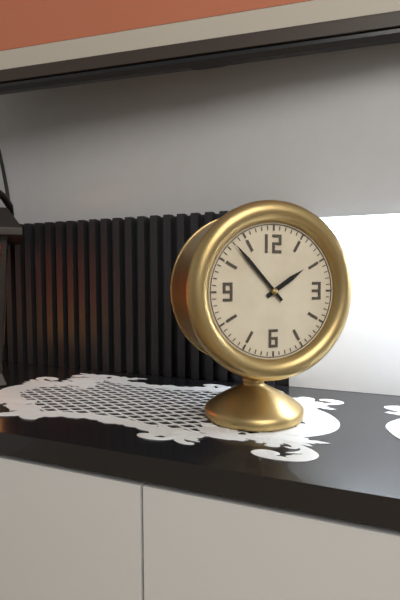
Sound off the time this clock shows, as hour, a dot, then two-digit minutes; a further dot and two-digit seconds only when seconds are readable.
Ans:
1.53
